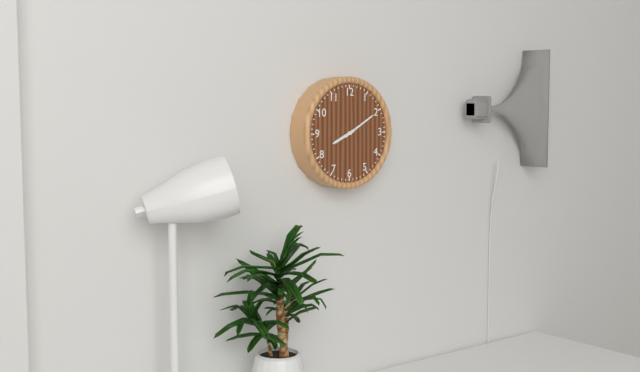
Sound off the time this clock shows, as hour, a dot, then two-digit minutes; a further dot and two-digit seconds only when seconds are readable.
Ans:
8.10
